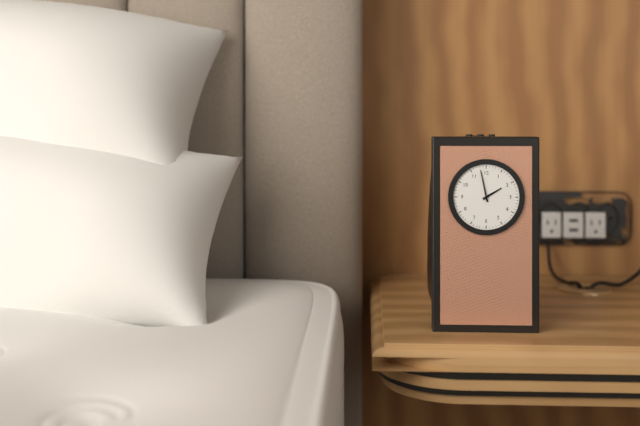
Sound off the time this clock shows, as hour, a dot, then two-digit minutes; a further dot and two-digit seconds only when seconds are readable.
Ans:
1.58
